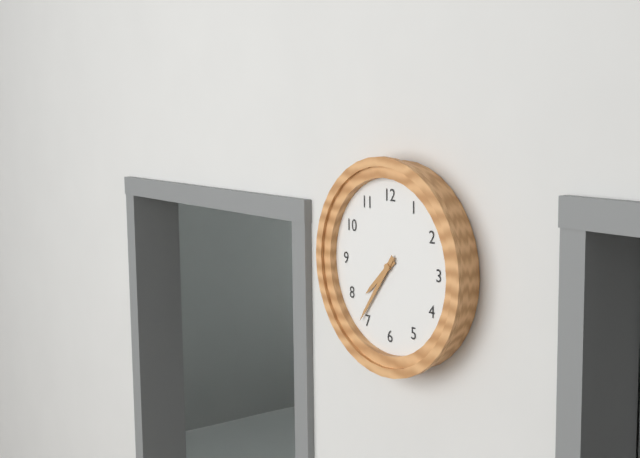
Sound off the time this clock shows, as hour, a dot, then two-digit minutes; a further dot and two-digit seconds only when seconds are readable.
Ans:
7.36
